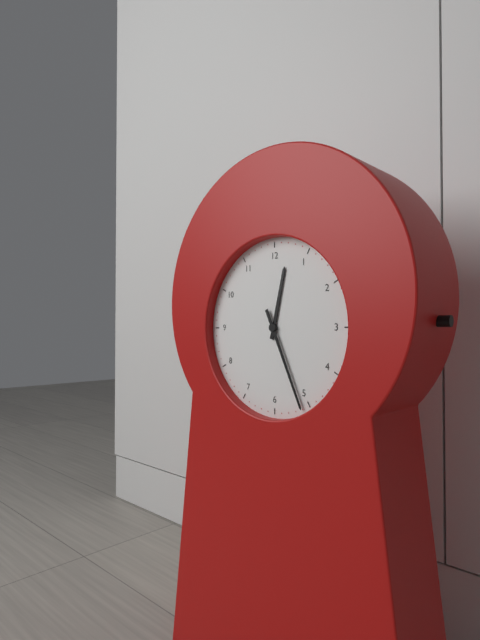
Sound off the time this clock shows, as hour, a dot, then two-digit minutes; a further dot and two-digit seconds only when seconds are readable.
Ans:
12.26
